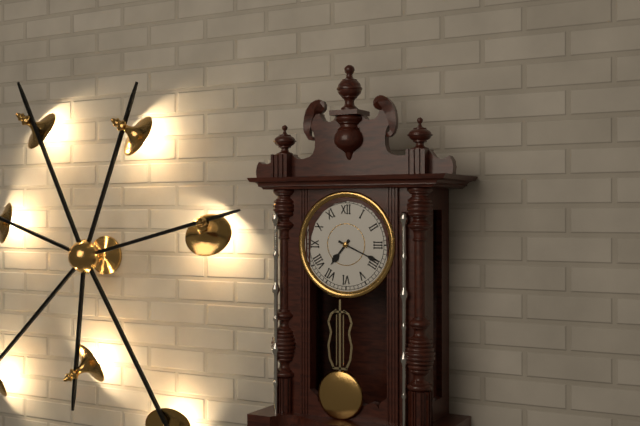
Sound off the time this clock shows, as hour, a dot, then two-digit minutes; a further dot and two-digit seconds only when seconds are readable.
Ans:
7.19
